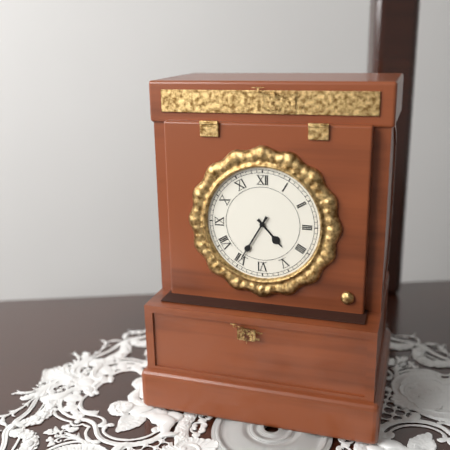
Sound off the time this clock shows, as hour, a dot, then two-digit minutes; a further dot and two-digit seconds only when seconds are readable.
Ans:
4.35
